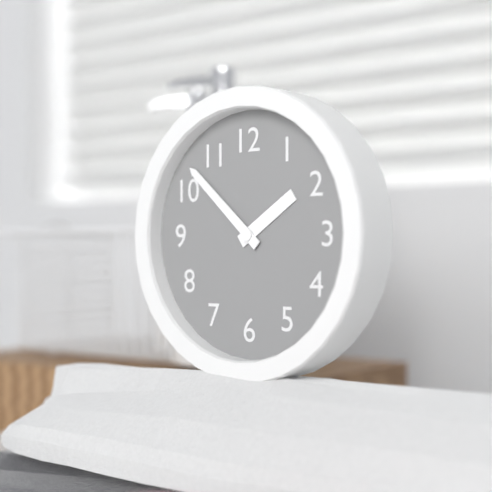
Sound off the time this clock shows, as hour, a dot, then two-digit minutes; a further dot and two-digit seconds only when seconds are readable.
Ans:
1.52
